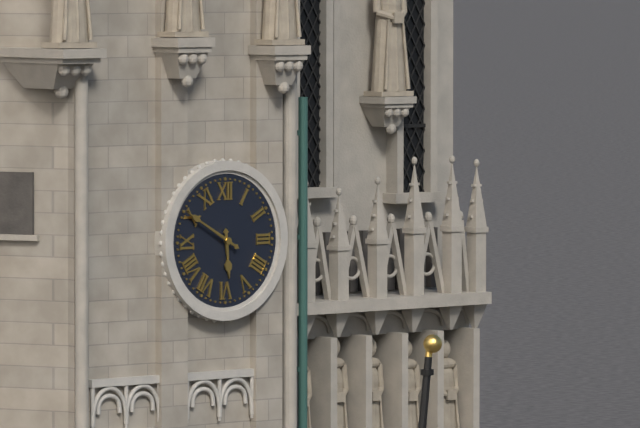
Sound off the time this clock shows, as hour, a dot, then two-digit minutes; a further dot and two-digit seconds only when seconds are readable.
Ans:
5.50
